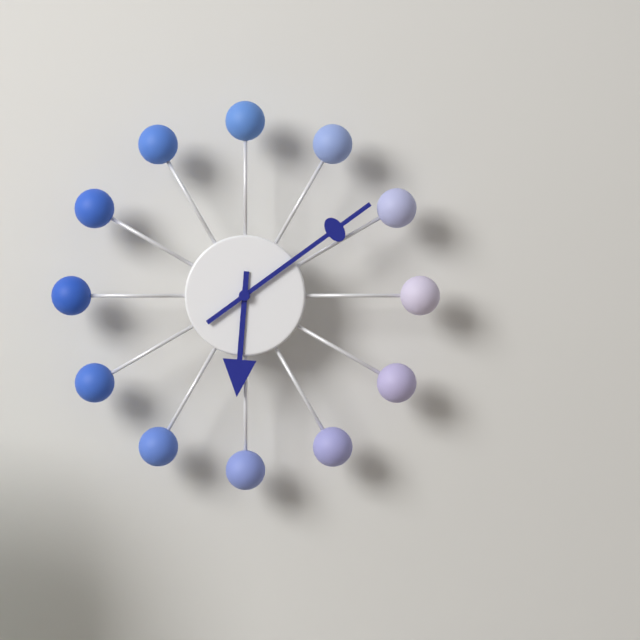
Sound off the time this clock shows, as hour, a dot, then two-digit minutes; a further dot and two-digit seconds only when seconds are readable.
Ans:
6.09
